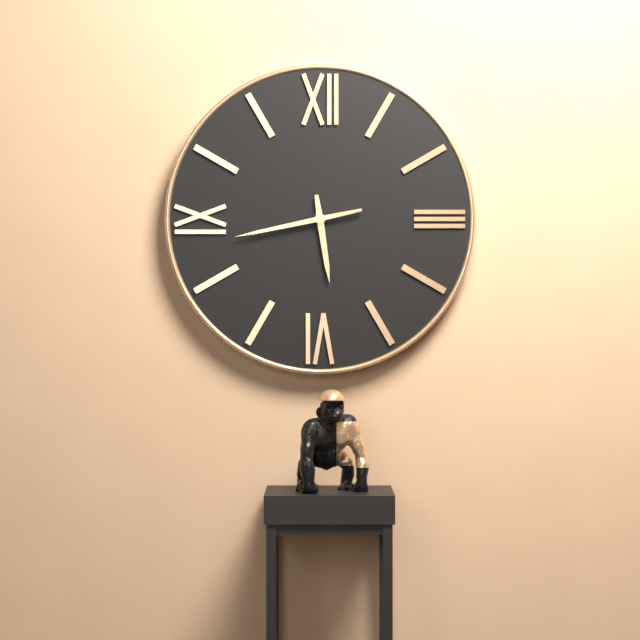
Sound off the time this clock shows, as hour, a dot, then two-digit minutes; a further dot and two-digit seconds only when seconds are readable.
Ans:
5.43
